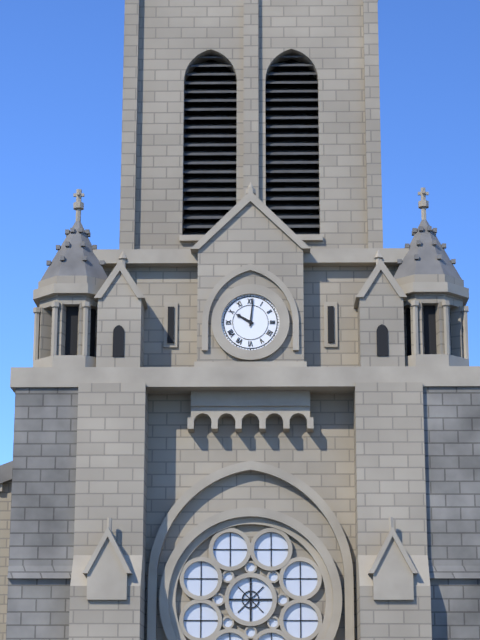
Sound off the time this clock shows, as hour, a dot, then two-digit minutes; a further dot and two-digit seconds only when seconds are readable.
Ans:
10.01
